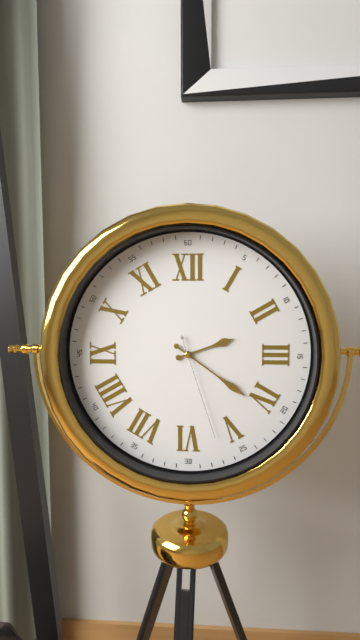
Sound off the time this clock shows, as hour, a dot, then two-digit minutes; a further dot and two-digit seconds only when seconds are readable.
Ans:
2.21.27
